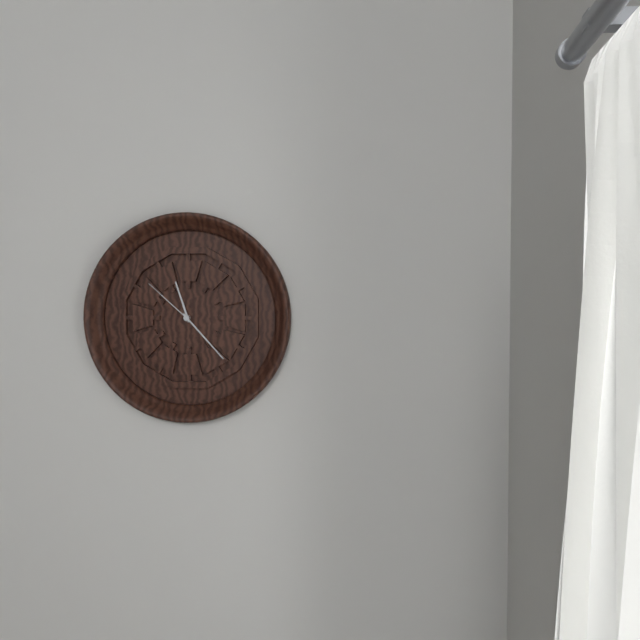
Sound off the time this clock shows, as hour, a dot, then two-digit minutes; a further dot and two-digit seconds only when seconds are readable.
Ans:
11.23.52
